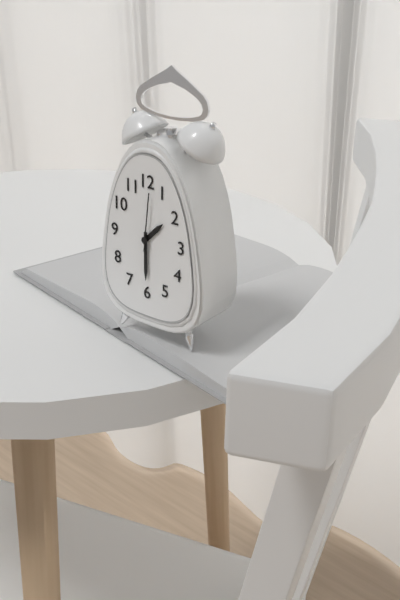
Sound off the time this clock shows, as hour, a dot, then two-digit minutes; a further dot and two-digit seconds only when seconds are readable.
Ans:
1.30.01
